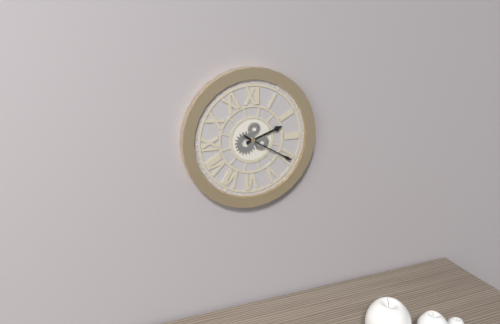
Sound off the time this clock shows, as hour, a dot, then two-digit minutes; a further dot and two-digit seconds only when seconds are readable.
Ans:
2.20
